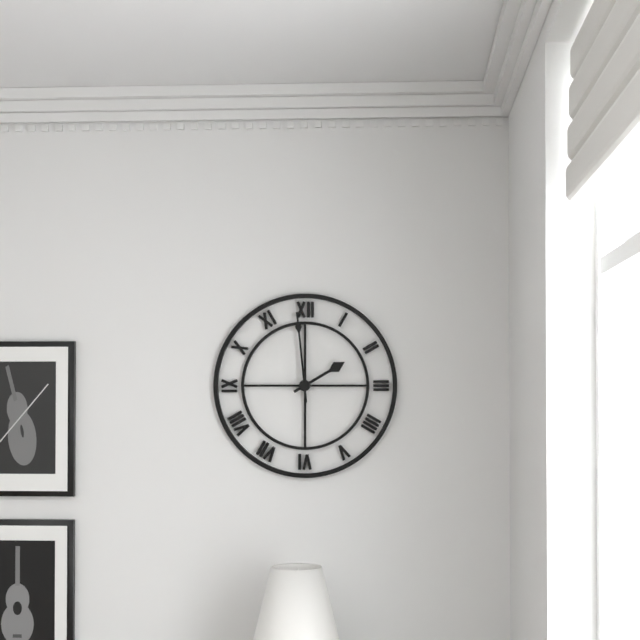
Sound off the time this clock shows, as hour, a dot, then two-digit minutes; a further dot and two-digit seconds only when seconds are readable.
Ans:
1.59
